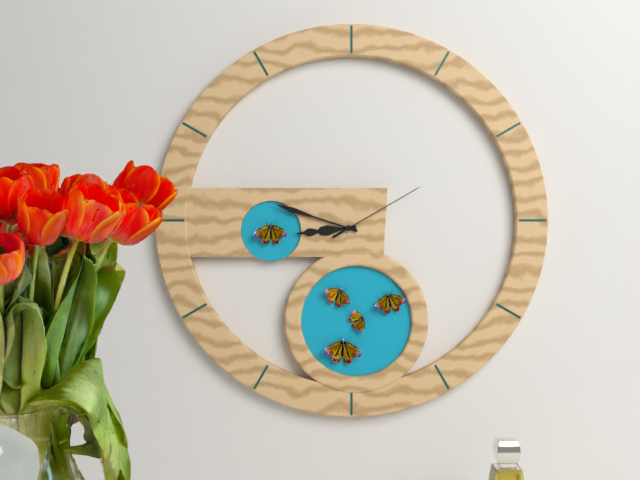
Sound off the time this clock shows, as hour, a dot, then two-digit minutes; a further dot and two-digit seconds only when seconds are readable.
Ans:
8.48.10
